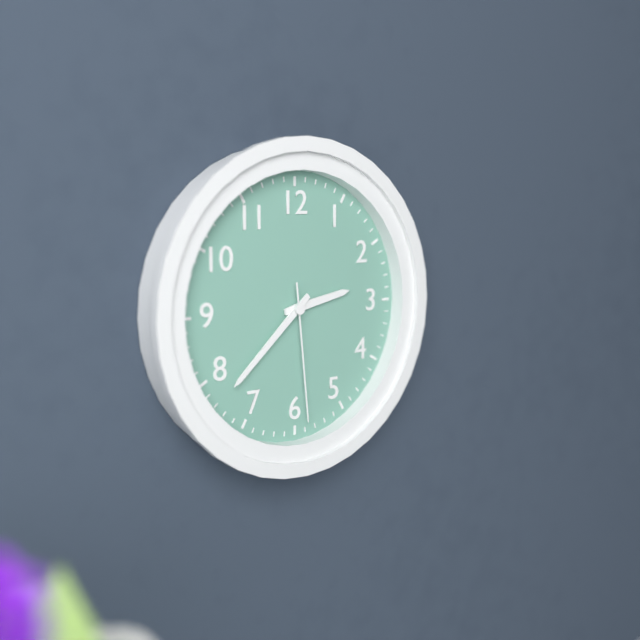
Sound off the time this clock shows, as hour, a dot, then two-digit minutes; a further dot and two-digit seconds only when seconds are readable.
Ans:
2.38.29
